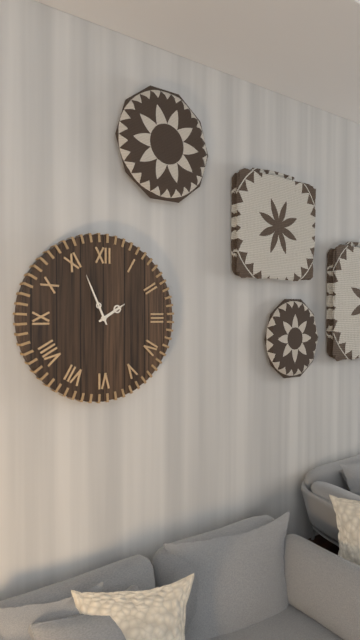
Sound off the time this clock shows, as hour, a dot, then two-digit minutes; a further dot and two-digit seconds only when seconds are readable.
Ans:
1.56
